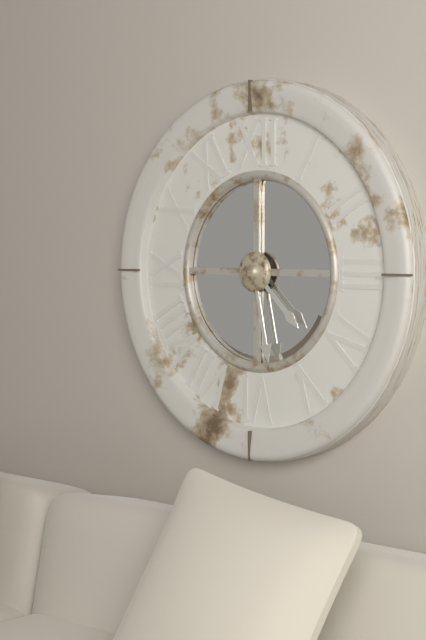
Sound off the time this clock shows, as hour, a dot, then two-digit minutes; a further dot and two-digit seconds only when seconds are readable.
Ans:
4.28
